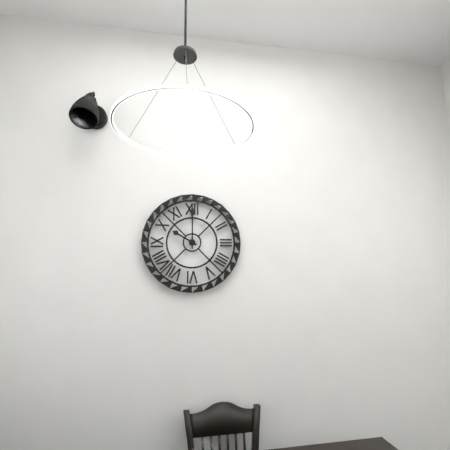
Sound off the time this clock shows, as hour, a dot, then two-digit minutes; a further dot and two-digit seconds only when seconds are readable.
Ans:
10.00
